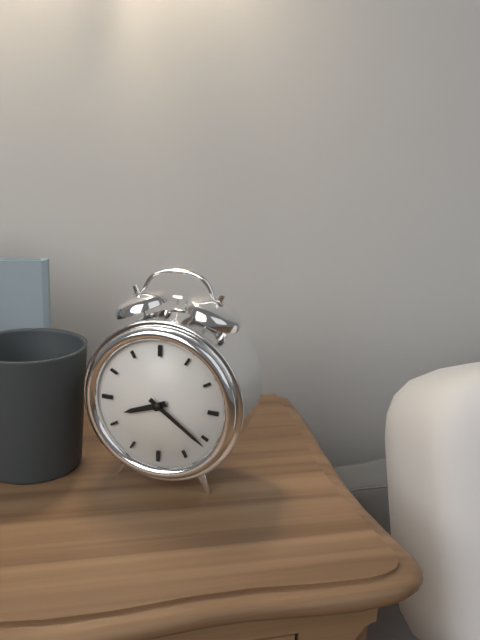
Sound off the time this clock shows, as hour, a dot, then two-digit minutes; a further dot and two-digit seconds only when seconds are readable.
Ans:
8.21
